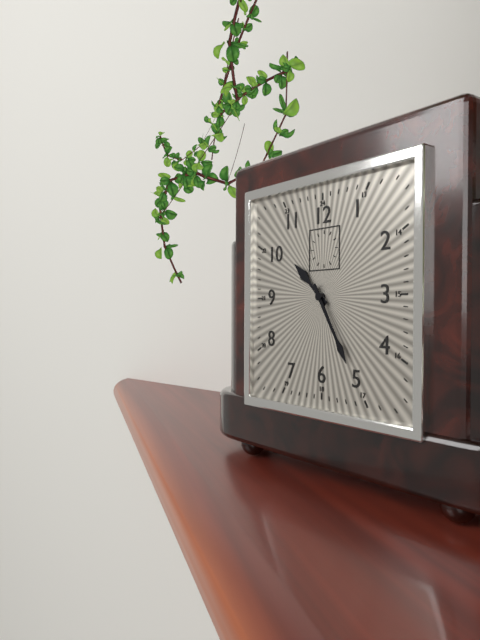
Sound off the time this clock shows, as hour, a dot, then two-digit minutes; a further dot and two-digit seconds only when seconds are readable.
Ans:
10.25
